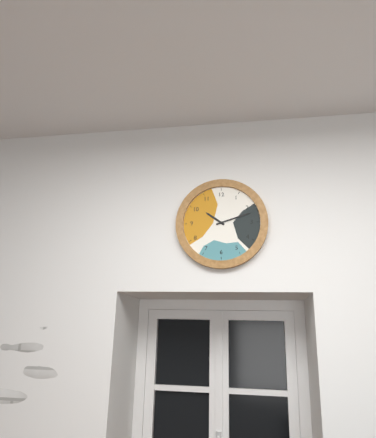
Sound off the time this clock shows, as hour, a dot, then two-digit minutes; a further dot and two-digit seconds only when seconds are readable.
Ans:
10.12
